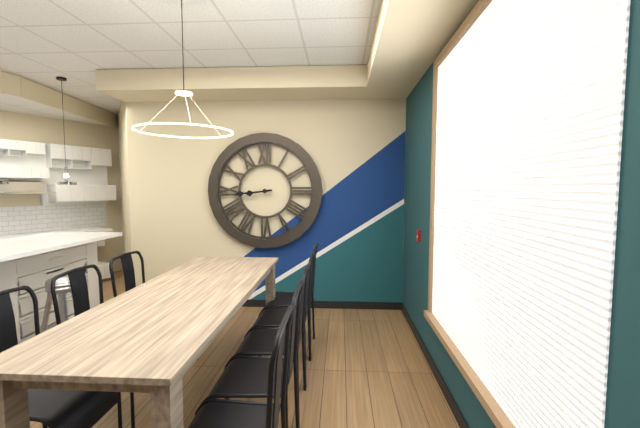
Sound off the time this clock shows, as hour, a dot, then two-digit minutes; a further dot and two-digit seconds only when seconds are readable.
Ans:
8.44
